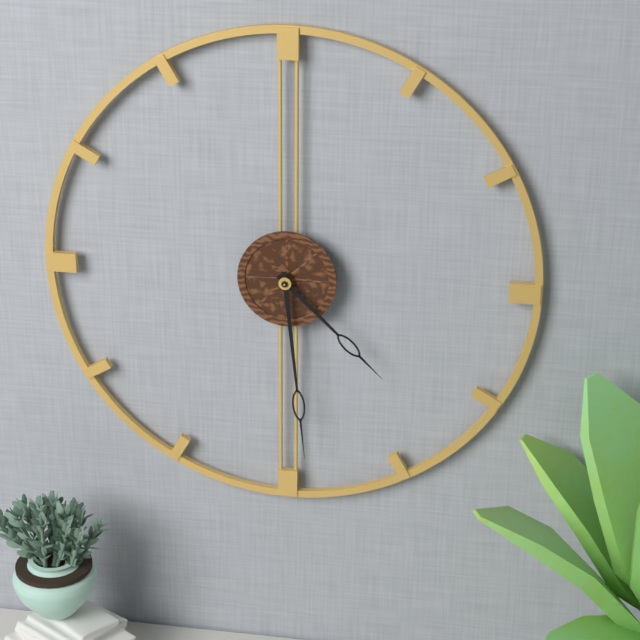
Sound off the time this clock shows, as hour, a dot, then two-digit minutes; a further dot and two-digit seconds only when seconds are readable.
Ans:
4.29
